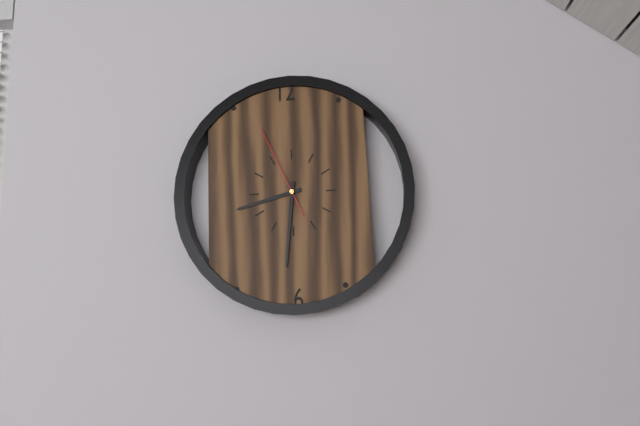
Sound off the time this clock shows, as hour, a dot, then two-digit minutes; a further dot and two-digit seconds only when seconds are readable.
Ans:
8.31.56
